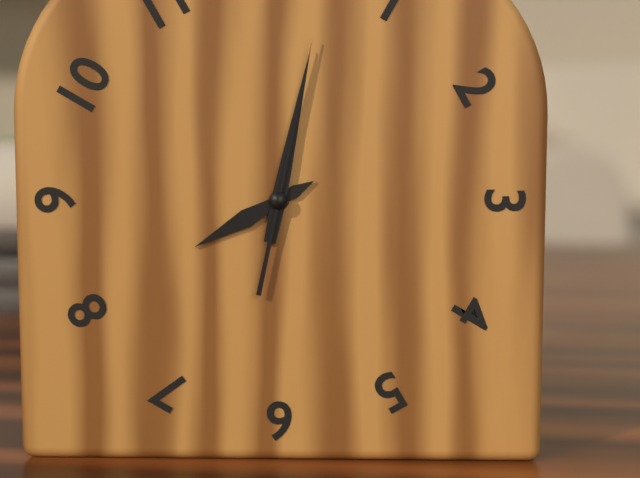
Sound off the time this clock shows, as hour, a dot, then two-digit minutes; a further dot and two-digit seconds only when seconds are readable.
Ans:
8.02.02
